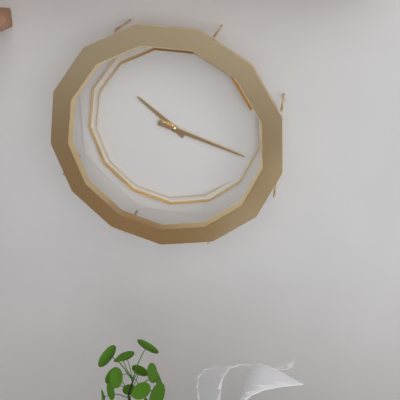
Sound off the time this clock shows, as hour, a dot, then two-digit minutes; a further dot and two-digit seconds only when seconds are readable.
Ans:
10.18
